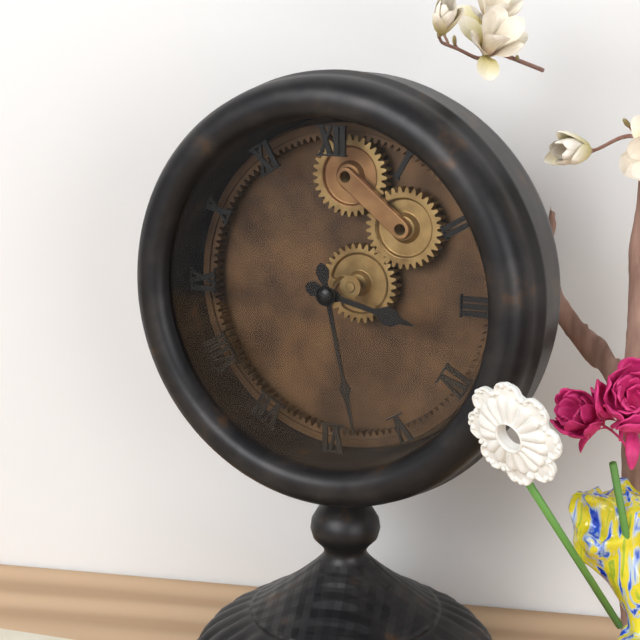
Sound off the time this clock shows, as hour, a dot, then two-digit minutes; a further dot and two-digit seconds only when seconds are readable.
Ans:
3.28
